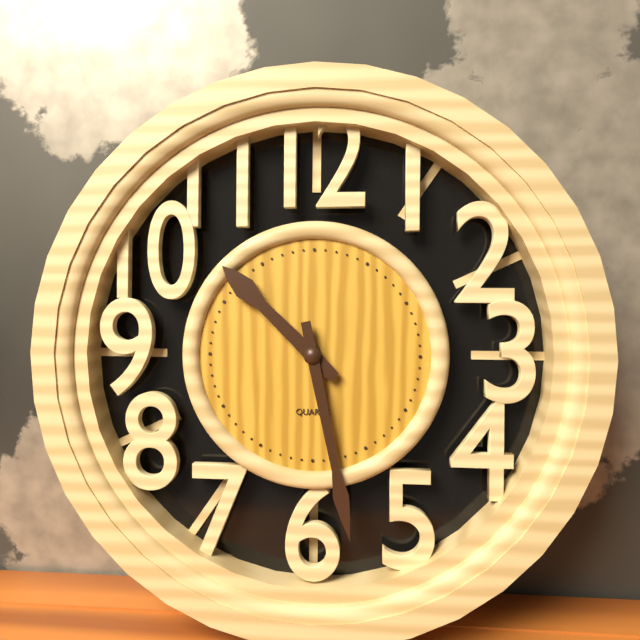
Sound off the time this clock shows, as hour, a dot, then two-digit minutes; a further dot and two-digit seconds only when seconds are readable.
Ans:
10.28
